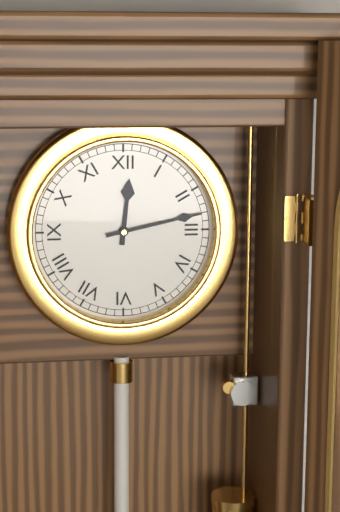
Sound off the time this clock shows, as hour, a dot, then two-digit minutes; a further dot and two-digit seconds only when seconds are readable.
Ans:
12.13
